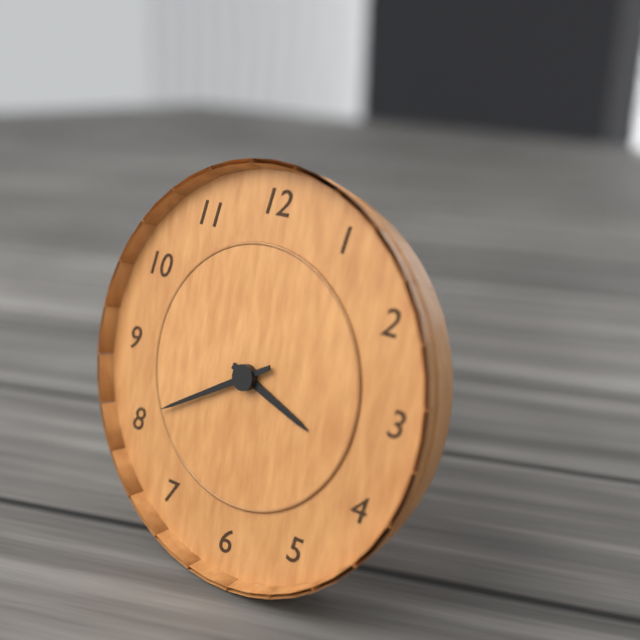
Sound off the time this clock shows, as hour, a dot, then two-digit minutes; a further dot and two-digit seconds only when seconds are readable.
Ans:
3.40
